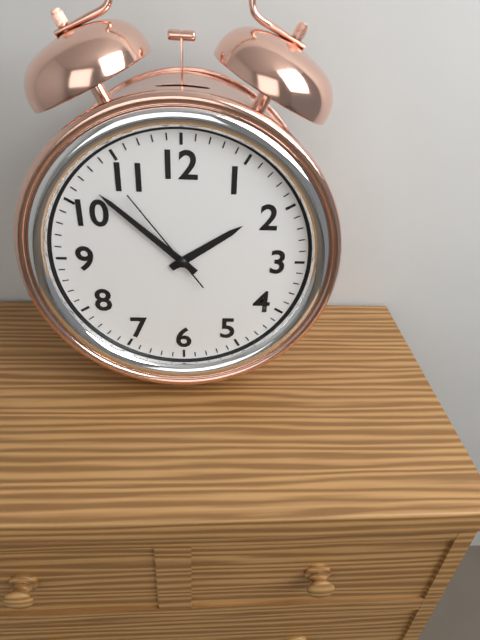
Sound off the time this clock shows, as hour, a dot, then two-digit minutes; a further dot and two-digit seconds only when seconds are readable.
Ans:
1.52.54
